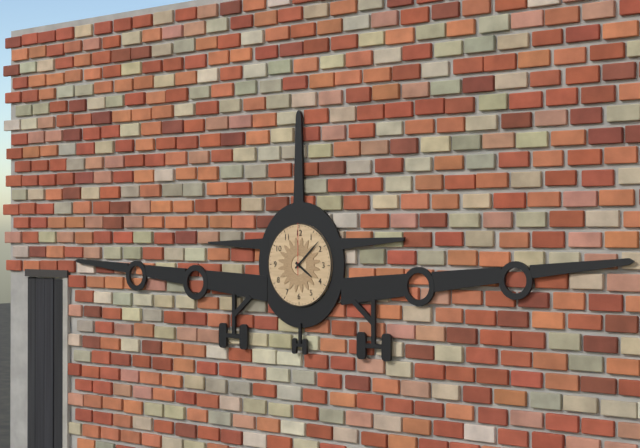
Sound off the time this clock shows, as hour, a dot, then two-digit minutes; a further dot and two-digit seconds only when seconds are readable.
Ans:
4.08.00
